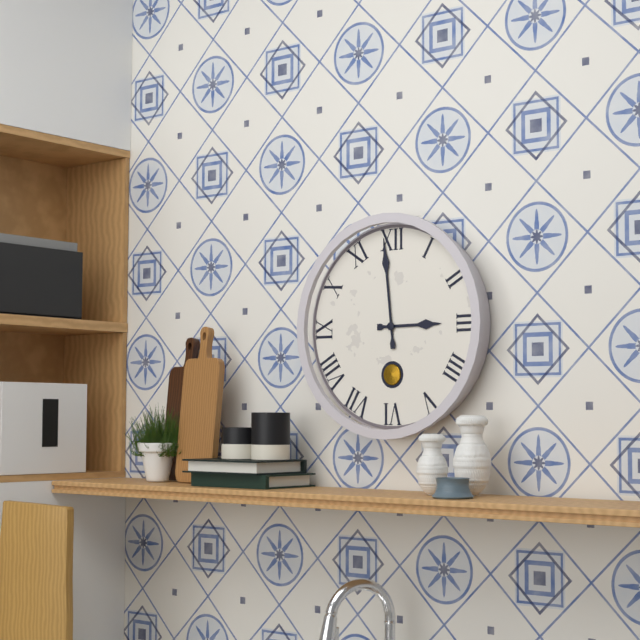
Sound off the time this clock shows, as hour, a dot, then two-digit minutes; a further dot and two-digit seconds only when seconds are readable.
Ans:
2.59
